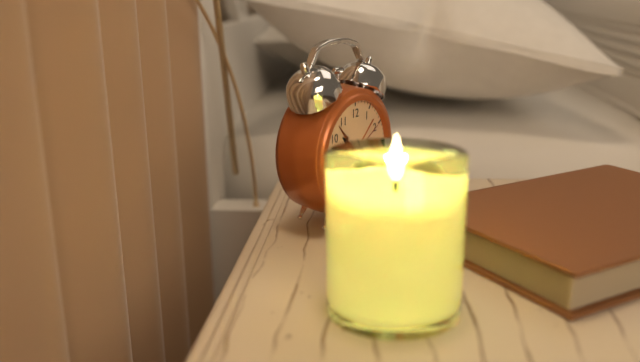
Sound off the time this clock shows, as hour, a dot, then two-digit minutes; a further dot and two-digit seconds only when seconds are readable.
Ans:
10.24
